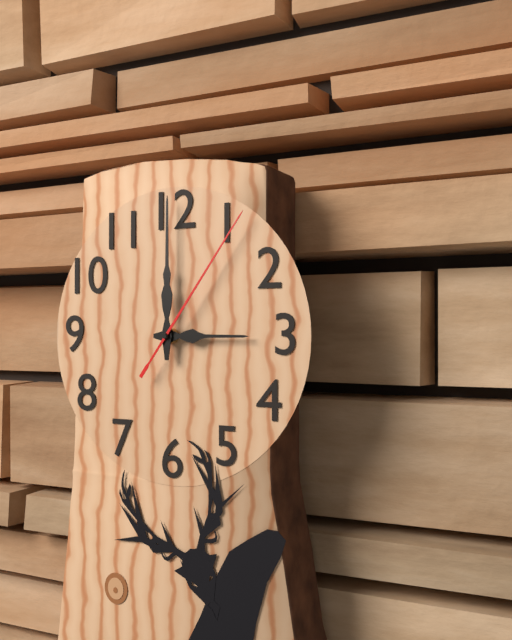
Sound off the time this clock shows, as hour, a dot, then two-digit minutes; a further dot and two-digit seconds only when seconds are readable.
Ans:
3.00.06
